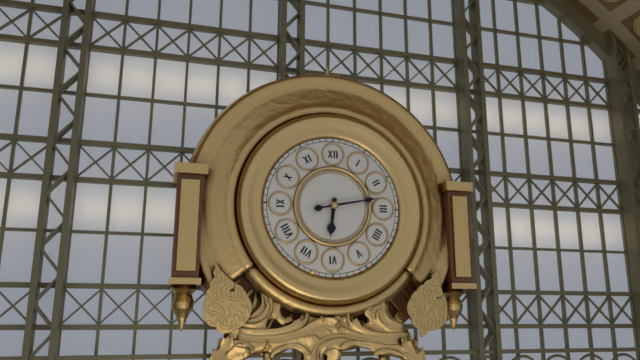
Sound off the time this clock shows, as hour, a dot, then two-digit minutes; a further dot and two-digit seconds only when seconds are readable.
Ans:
6.13
